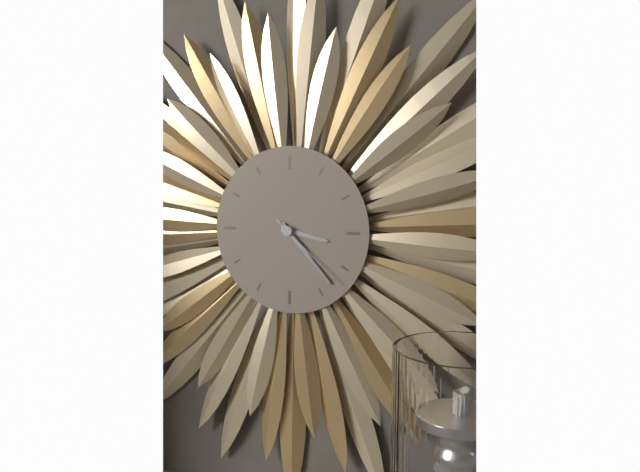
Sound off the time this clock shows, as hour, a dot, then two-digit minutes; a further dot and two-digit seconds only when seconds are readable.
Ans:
3.23.22
